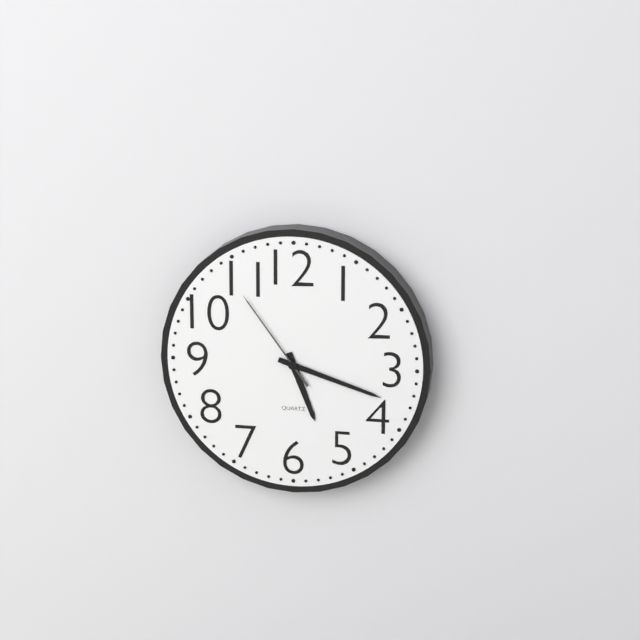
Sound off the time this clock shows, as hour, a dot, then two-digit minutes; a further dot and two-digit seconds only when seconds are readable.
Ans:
5.18.54
